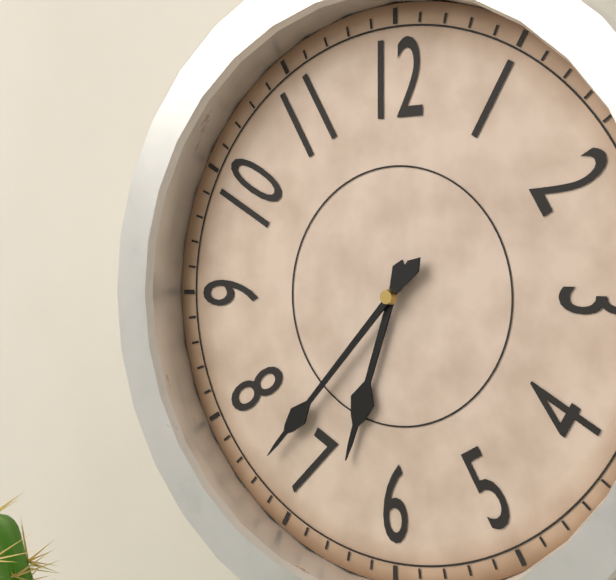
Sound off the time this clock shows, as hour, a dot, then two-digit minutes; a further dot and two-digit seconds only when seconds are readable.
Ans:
6.37
